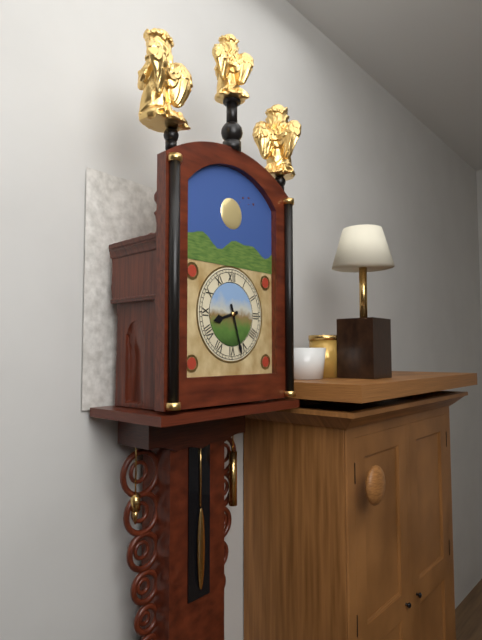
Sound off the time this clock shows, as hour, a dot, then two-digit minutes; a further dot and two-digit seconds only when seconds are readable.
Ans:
8.27
